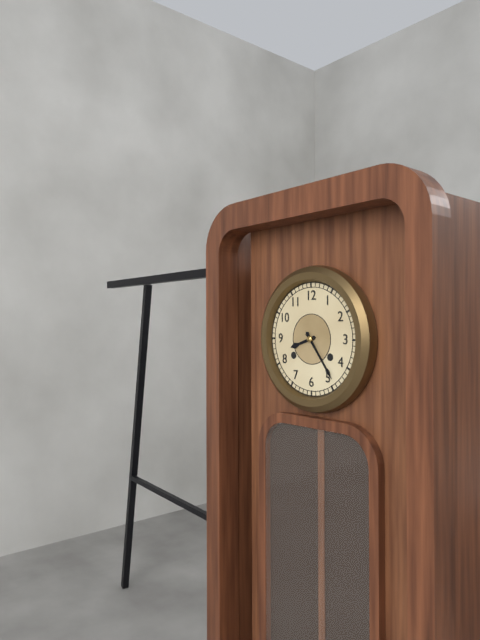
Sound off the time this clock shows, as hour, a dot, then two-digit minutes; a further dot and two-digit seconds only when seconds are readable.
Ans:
8.24
